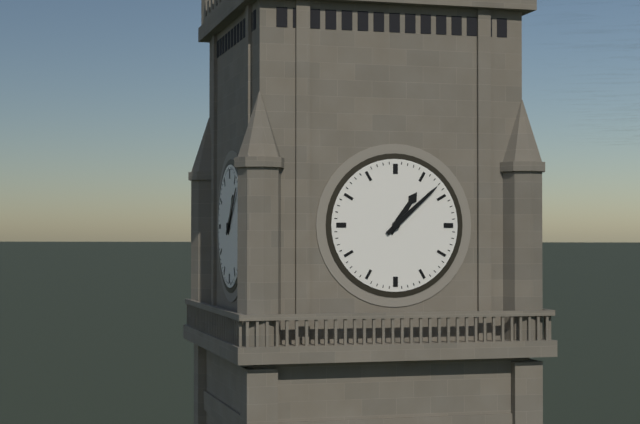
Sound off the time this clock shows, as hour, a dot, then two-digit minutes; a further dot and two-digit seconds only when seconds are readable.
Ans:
1.08
